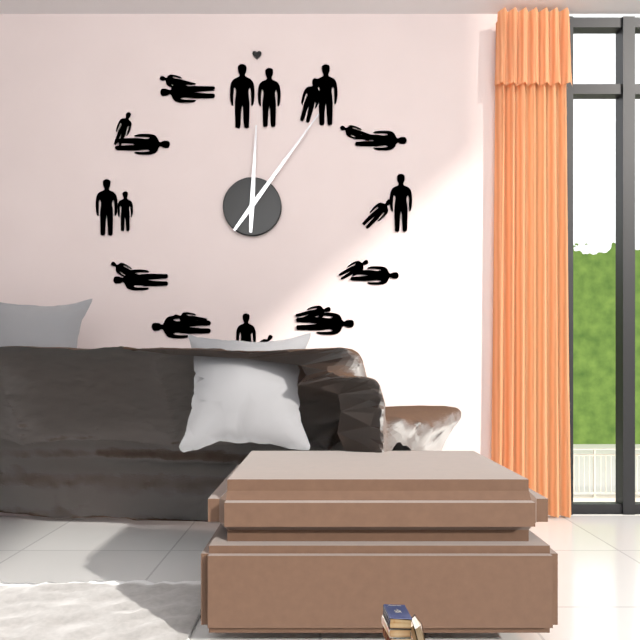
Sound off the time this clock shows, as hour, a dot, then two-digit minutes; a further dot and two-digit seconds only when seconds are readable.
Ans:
12.06
